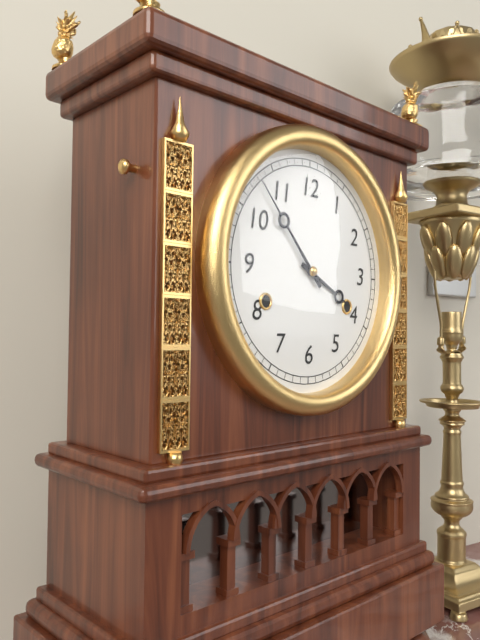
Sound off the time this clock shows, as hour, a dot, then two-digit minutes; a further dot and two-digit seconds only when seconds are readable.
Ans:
3.53
